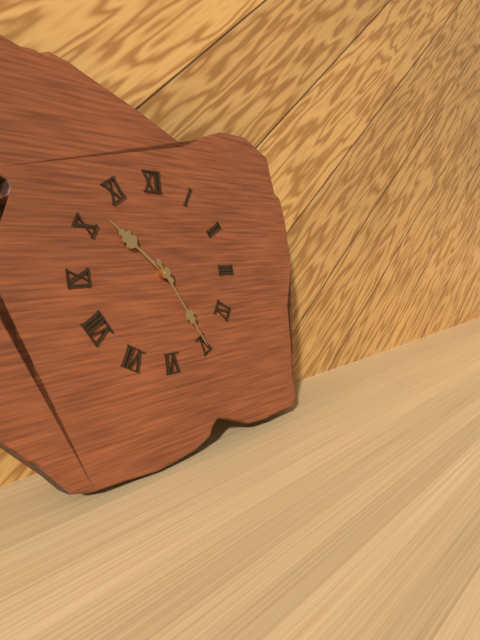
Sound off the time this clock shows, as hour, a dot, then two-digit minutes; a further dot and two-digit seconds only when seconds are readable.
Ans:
10.25
